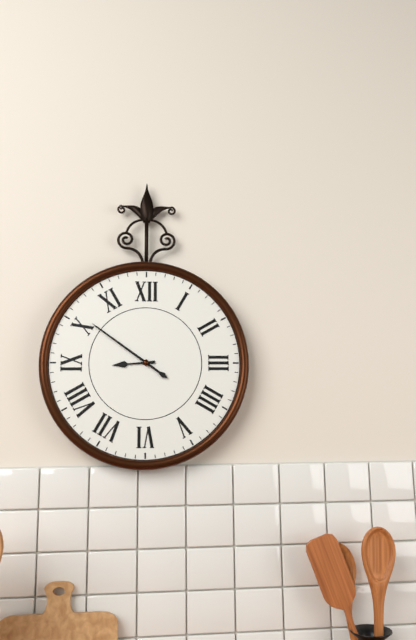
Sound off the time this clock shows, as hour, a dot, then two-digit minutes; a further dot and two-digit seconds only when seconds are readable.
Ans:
8.51
